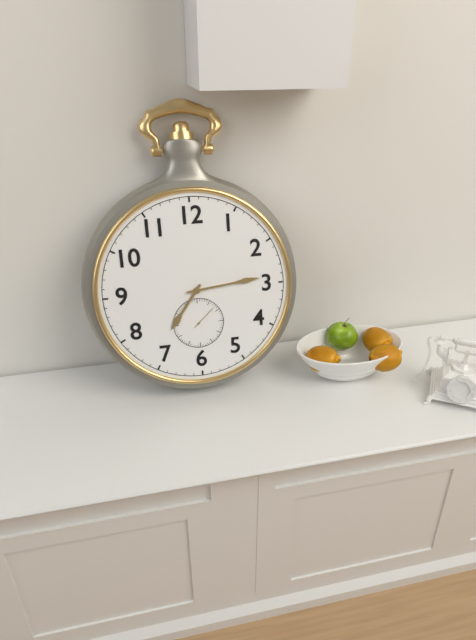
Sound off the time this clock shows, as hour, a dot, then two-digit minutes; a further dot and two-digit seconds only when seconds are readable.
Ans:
7.14
